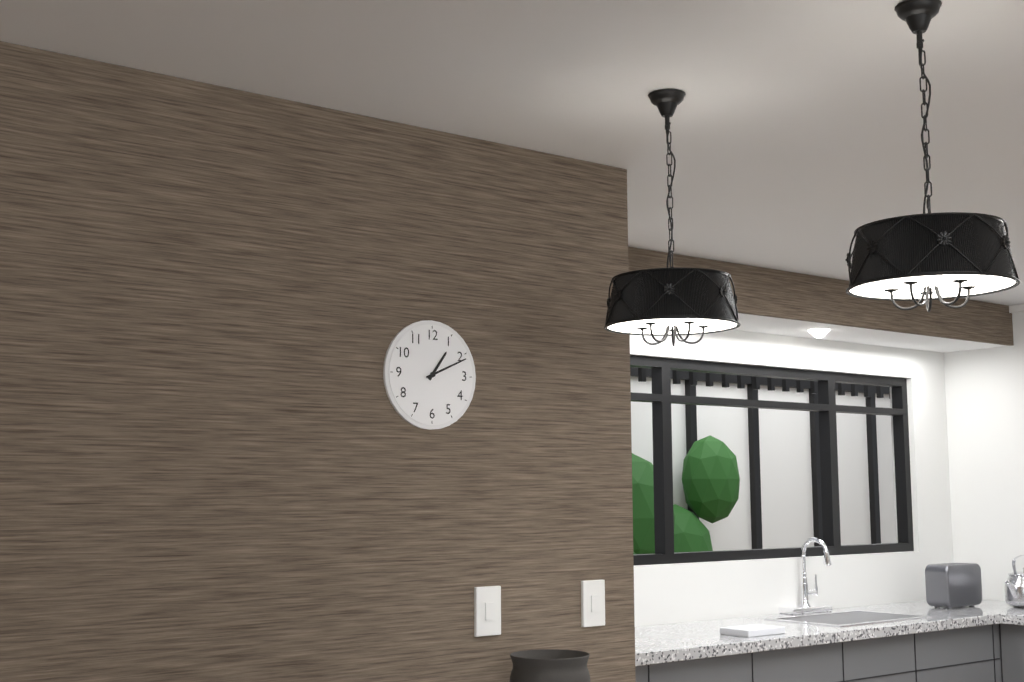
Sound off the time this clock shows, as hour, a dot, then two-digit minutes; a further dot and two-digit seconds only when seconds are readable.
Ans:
1.11
